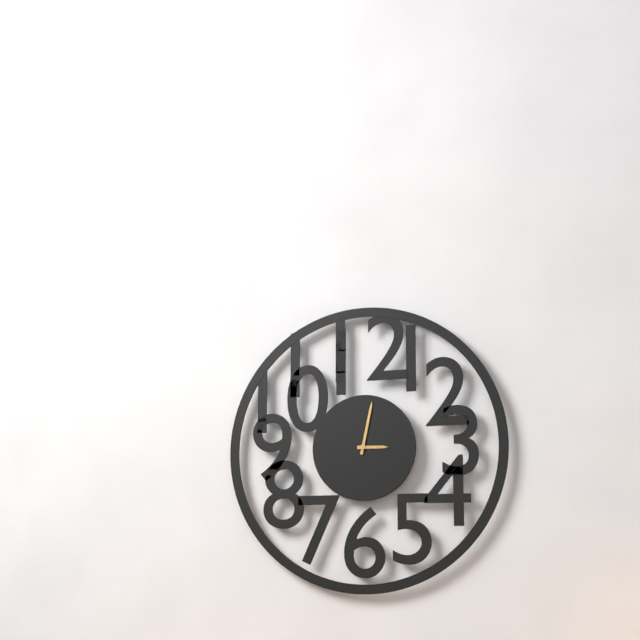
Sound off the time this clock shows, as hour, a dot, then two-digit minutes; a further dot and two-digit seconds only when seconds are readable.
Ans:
3.02
